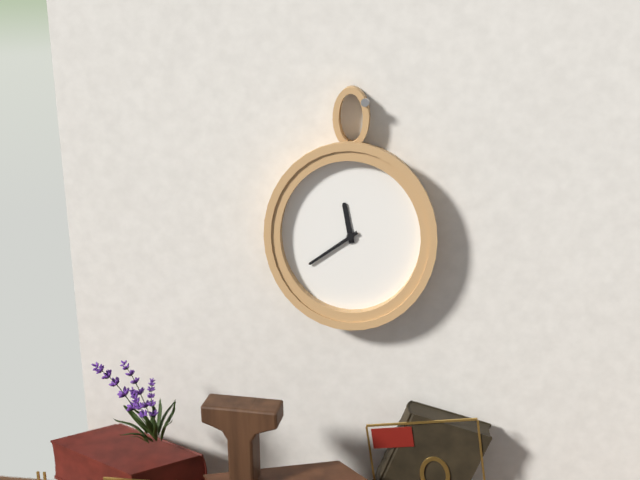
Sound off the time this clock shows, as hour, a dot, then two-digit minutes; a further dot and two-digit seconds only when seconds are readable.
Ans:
11.39
